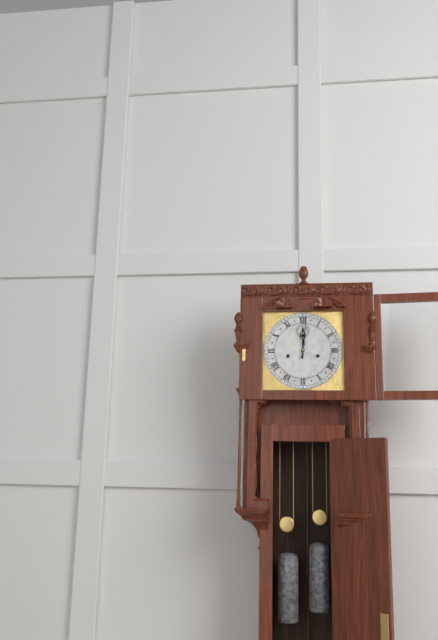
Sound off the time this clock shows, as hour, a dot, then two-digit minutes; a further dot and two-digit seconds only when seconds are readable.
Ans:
12.01
